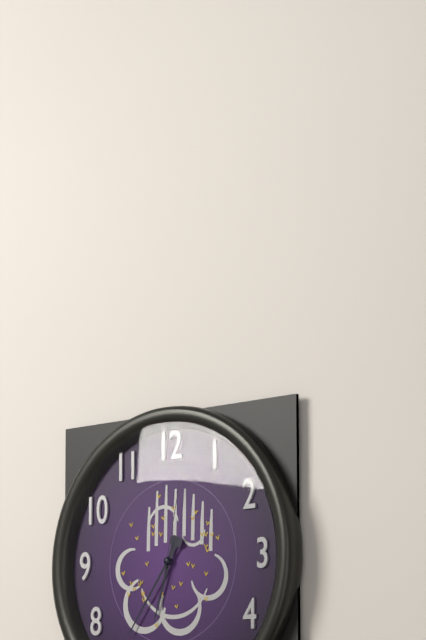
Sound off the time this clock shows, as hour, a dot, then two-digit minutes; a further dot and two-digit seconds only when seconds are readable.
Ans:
6.36.02
